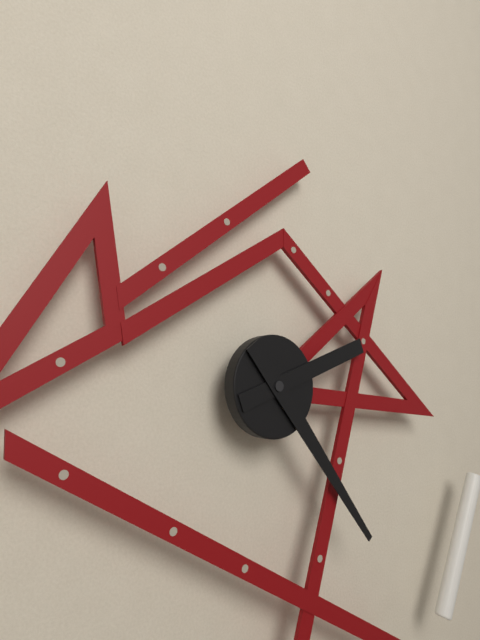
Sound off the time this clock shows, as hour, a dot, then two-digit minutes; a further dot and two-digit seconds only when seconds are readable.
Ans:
2.24
